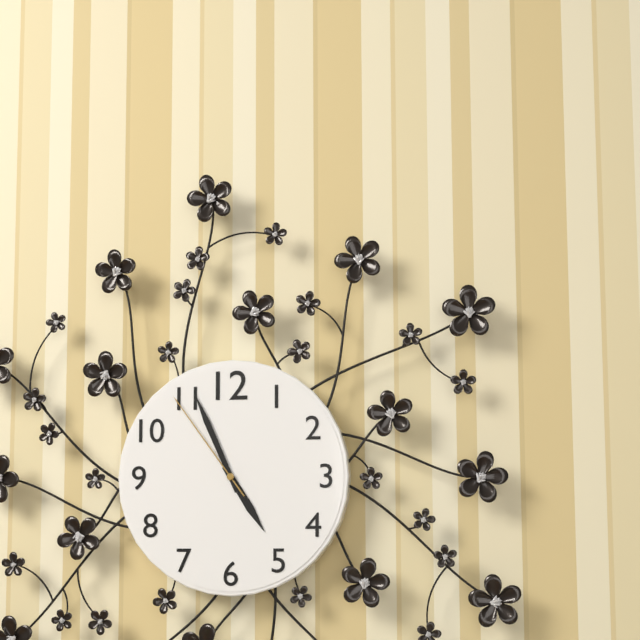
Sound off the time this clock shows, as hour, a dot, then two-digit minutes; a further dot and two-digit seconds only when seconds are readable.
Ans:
4.56.54
